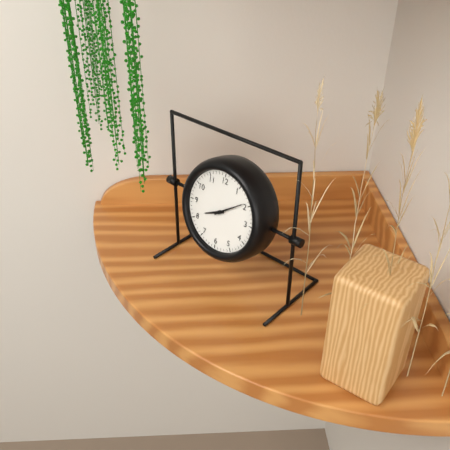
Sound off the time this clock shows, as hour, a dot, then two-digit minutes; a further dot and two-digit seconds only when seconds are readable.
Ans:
8.09
